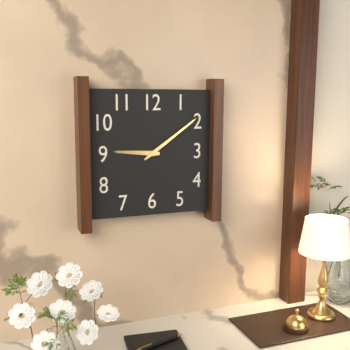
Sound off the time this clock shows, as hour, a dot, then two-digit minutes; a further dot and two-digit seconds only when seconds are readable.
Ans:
9.09
